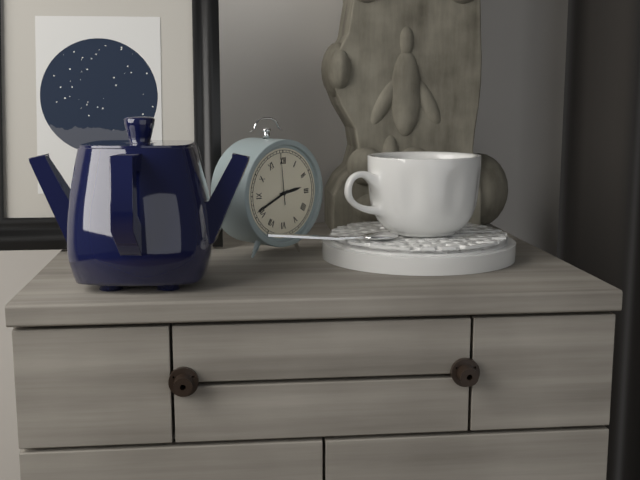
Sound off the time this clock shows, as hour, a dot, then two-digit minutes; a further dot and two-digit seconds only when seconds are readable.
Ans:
2.41.59
